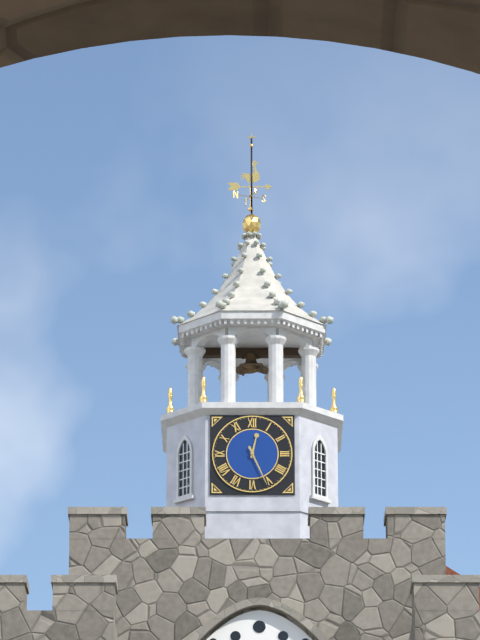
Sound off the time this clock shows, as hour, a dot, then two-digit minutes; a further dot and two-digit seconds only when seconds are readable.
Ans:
12.26
